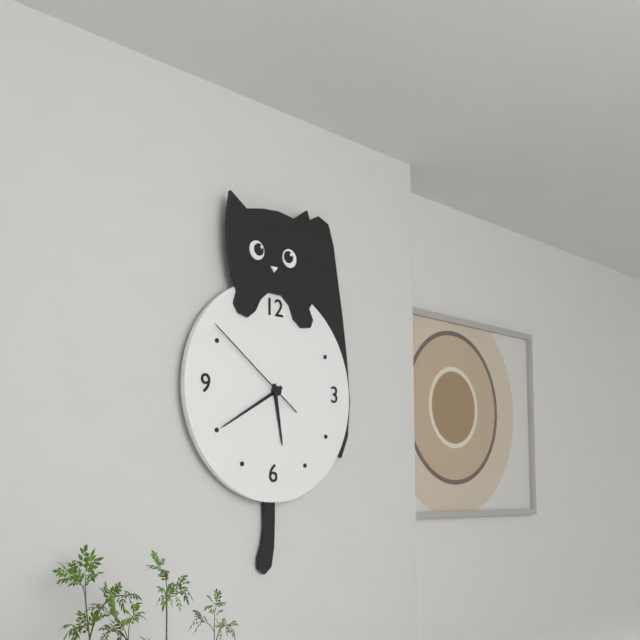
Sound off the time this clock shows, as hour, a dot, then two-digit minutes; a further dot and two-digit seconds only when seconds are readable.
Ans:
5.40.51
